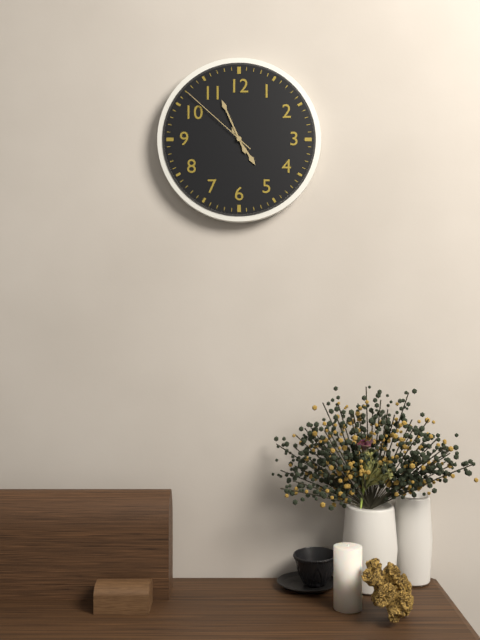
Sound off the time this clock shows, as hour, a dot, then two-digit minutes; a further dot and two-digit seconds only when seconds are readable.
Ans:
4.56.52
